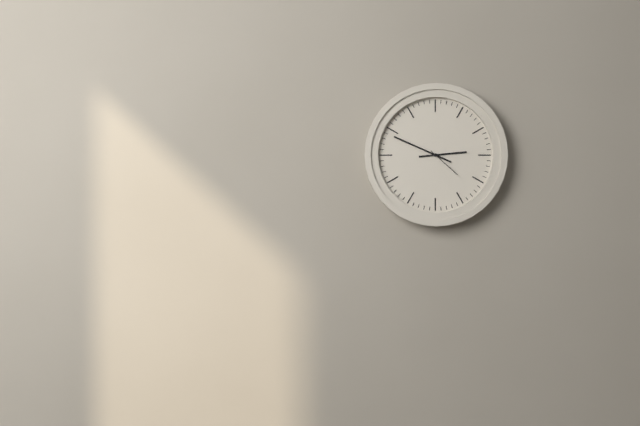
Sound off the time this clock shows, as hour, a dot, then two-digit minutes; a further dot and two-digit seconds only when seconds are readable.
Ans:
2.49
